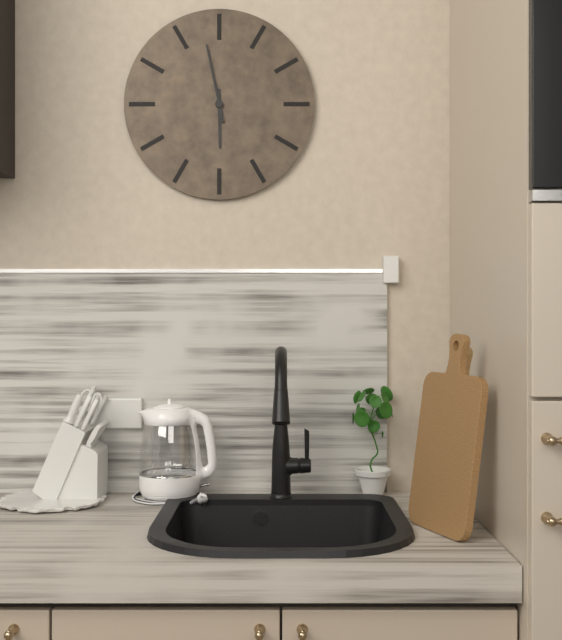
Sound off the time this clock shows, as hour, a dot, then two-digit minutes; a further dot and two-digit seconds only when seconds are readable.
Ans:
5.58
